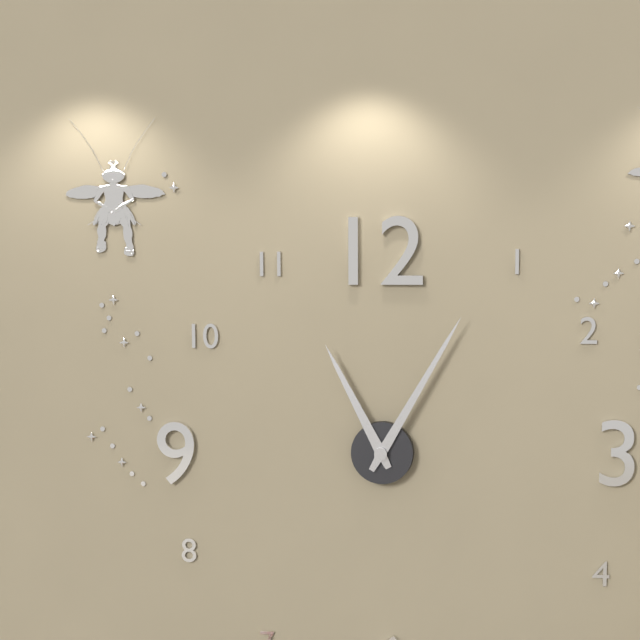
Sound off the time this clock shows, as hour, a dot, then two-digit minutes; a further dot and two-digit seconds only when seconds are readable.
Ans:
11.05
